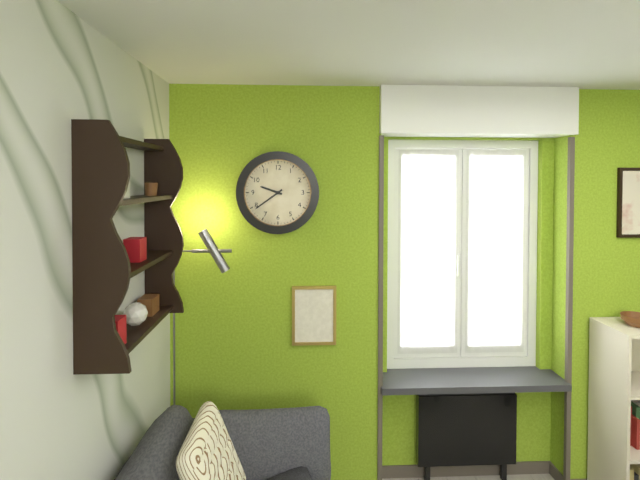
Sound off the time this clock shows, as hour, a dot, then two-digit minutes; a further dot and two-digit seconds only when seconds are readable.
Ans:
9.39
